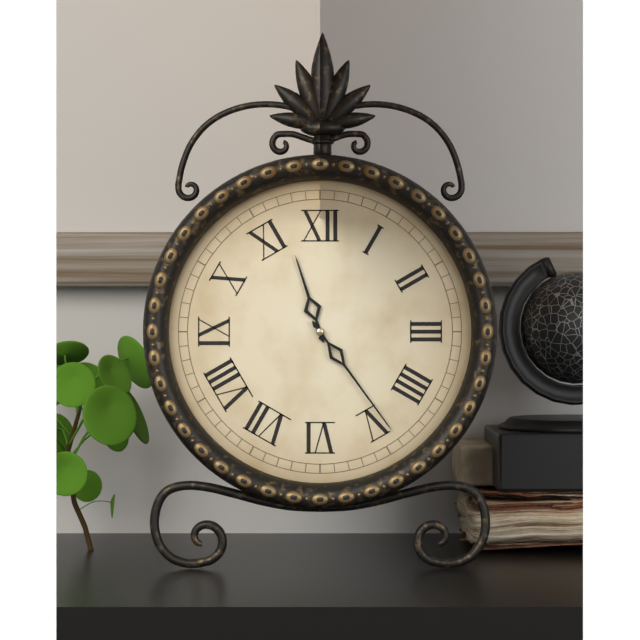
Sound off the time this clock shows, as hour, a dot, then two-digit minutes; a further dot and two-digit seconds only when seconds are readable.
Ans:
11.24
